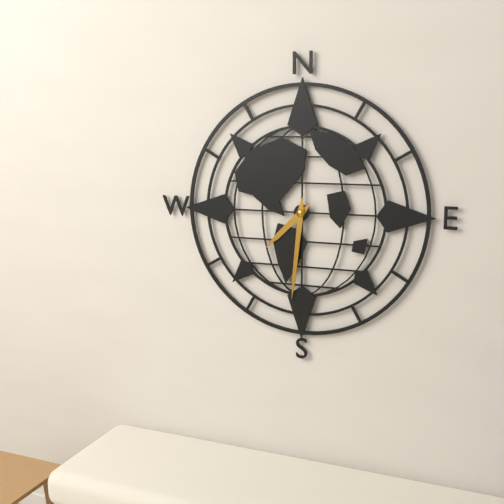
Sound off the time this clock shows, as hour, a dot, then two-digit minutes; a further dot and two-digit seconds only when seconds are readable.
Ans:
7.31
